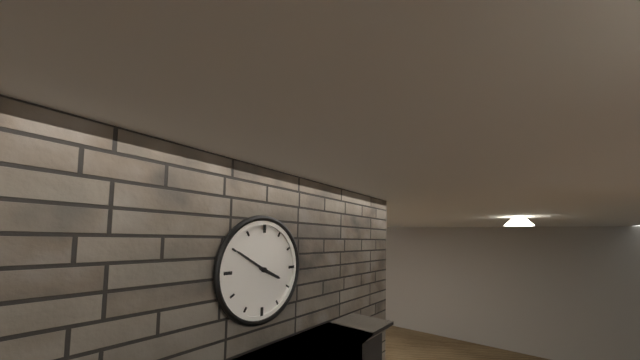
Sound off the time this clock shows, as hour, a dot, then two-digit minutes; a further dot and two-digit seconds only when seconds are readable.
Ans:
3.50
